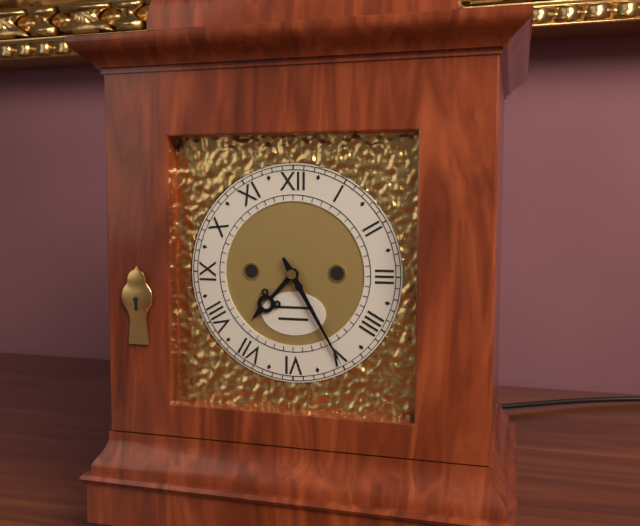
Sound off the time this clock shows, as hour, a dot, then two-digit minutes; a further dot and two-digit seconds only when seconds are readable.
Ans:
7.25
